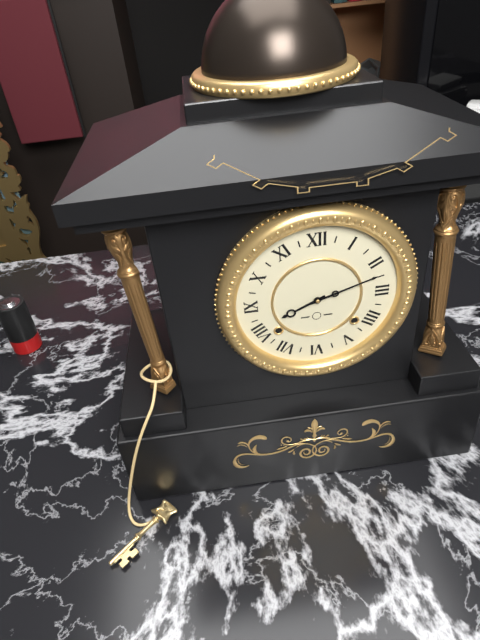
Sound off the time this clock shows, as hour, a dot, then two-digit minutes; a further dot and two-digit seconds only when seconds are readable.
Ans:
8.12
